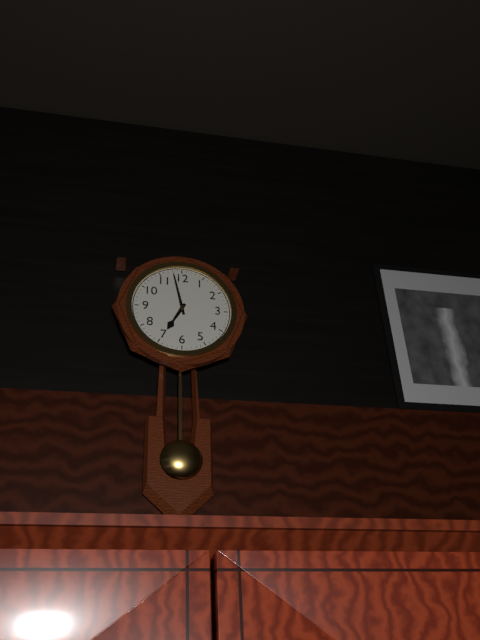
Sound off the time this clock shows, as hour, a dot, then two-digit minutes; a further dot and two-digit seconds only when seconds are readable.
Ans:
6.58
